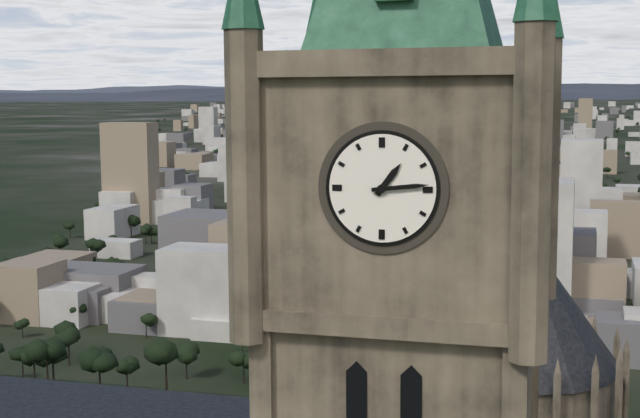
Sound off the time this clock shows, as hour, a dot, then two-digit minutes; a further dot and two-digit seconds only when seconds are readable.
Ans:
1.14
